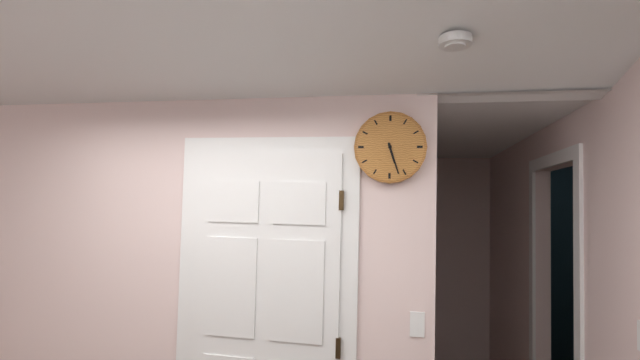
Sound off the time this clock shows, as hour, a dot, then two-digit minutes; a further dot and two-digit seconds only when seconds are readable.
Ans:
5.27
